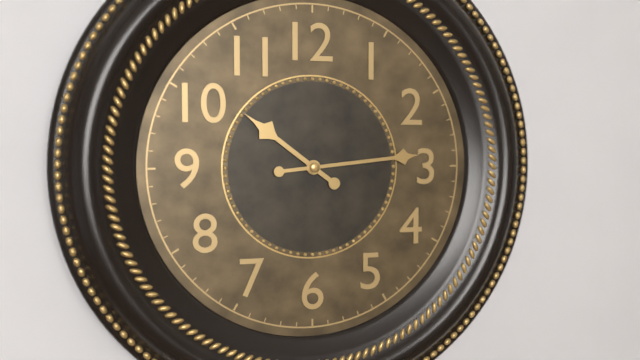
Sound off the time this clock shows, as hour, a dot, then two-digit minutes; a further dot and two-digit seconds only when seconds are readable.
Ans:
10.14
